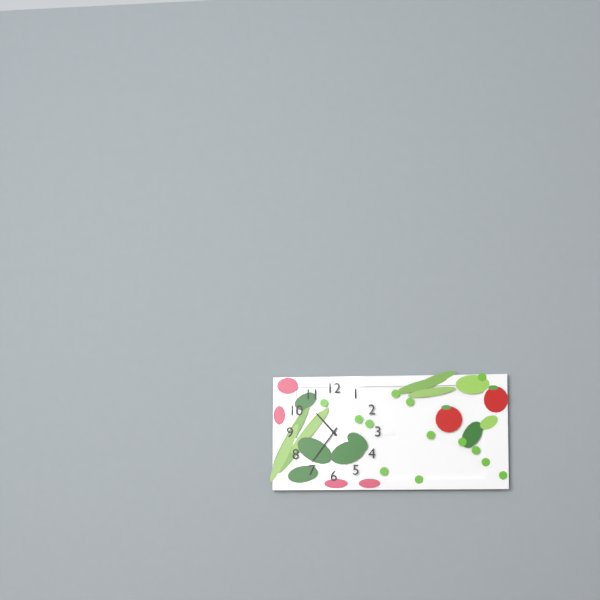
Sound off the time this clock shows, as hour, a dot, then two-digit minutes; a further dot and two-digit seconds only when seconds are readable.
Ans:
10.36
